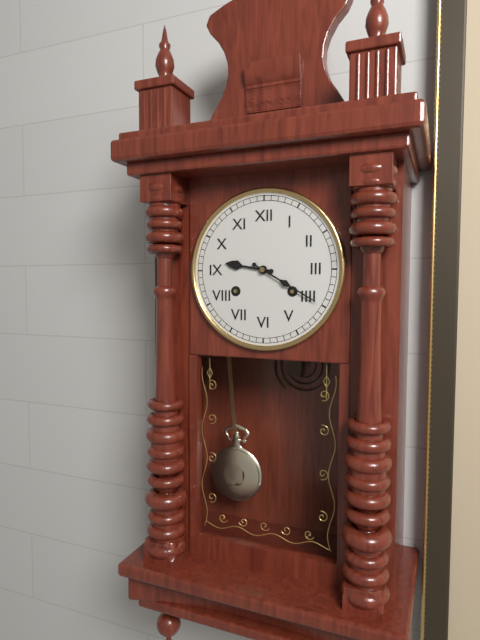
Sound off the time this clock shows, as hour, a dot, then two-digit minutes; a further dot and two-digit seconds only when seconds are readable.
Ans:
9.20
